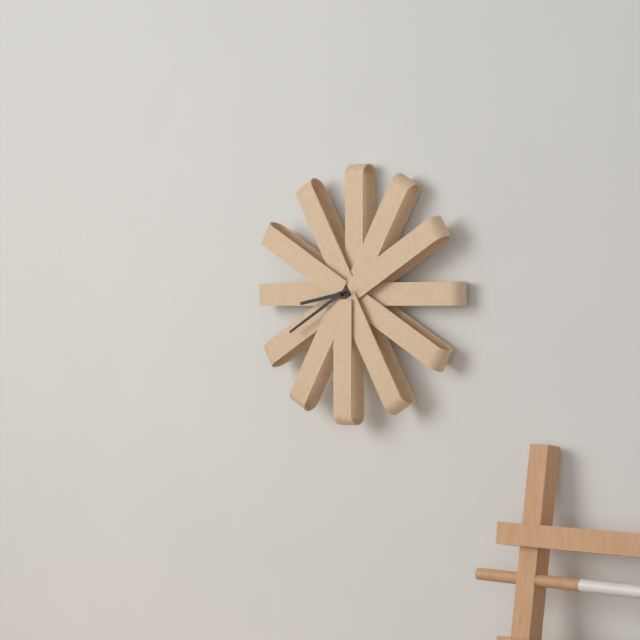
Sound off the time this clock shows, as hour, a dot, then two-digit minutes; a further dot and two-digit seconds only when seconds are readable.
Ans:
8.40
